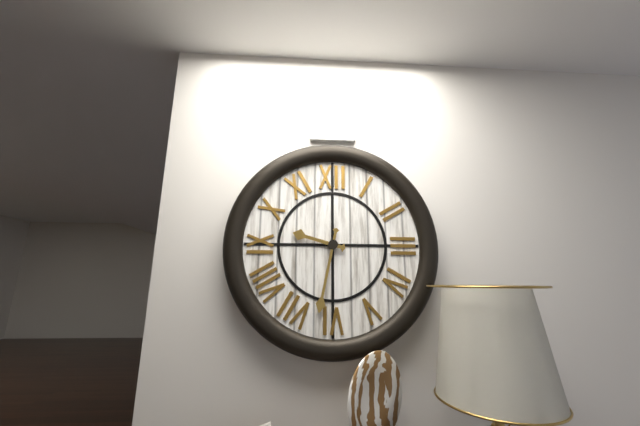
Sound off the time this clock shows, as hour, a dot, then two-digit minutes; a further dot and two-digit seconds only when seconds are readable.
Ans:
9.32
